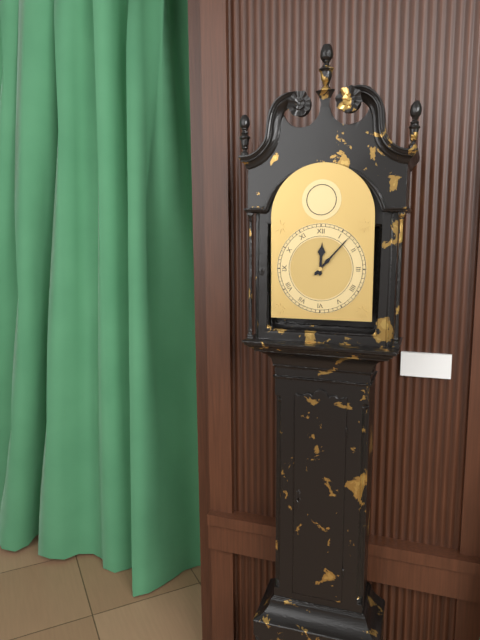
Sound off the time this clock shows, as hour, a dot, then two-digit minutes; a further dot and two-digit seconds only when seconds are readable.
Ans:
12.07
